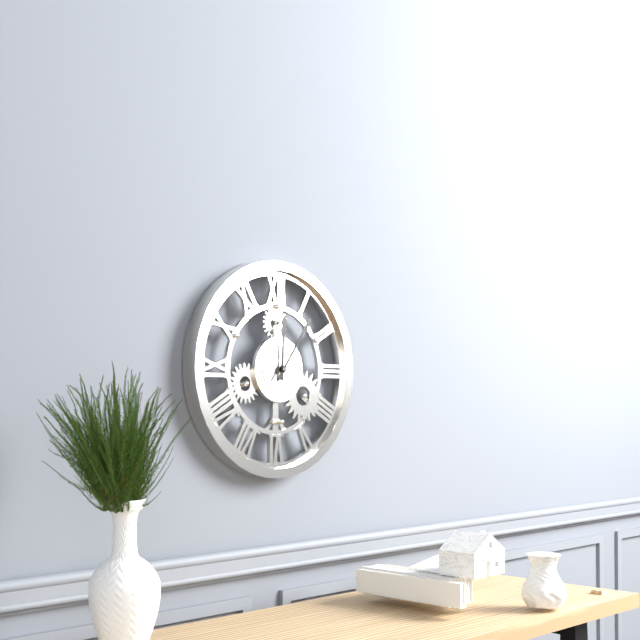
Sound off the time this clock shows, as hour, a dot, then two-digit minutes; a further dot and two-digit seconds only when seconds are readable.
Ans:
12.06
